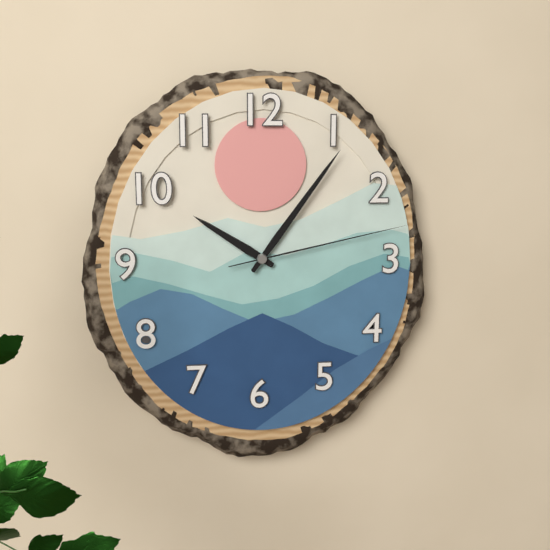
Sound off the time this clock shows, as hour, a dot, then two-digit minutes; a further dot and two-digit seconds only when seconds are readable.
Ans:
10.06.13
